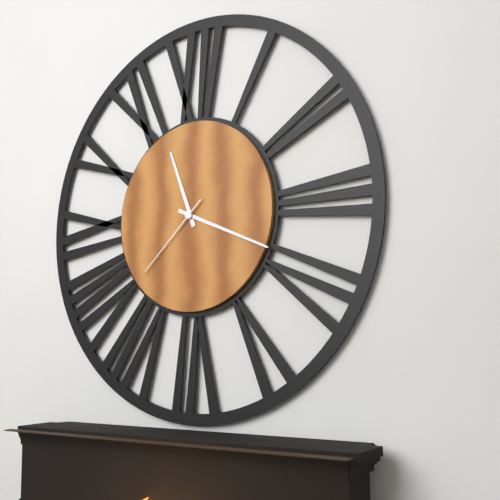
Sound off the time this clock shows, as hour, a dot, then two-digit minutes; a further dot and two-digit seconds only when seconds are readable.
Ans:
11.19.38
